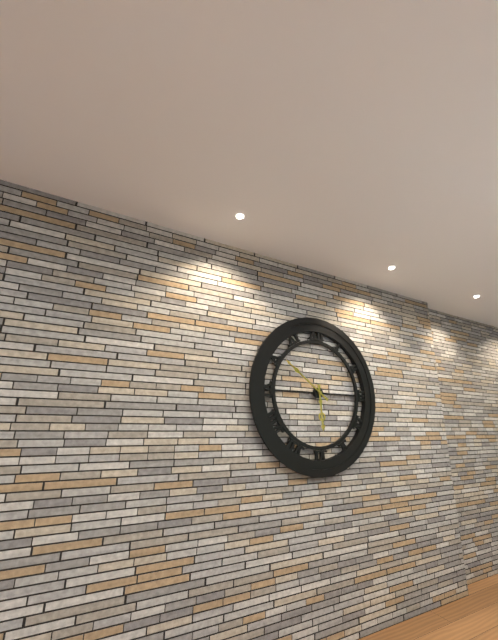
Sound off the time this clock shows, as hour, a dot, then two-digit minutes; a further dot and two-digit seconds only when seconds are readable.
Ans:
5.51
